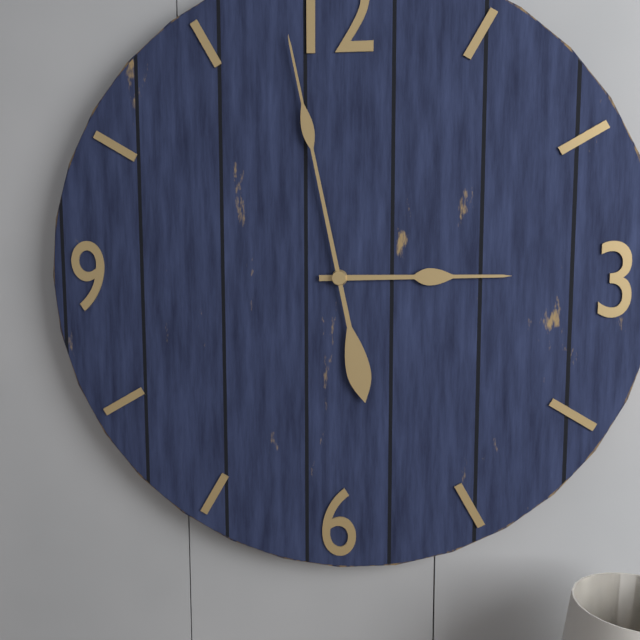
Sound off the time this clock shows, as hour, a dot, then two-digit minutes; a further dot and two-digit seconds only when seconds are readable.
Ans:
2.58
